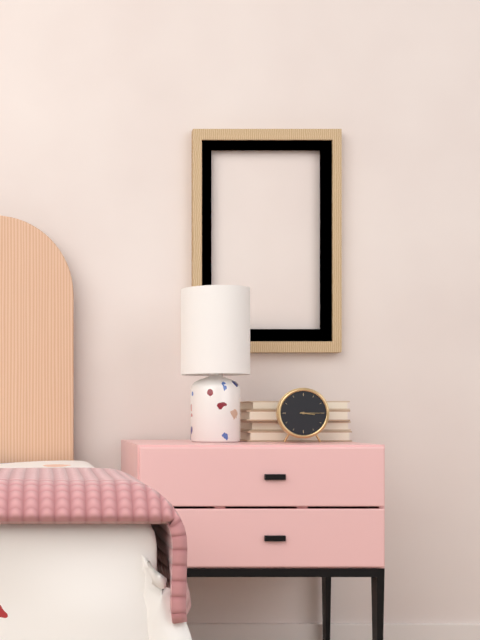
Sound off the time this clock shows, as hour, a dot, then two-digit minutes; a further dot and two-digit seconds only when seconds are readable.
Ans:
3.15
